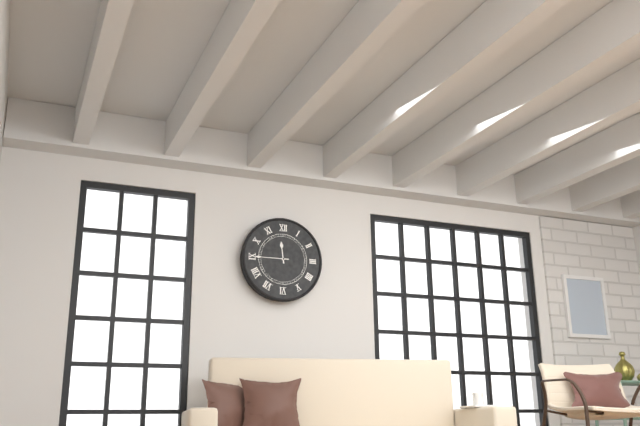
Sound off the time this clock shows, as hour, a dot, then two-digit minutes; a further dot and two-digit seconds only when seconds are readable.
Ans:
11.45
